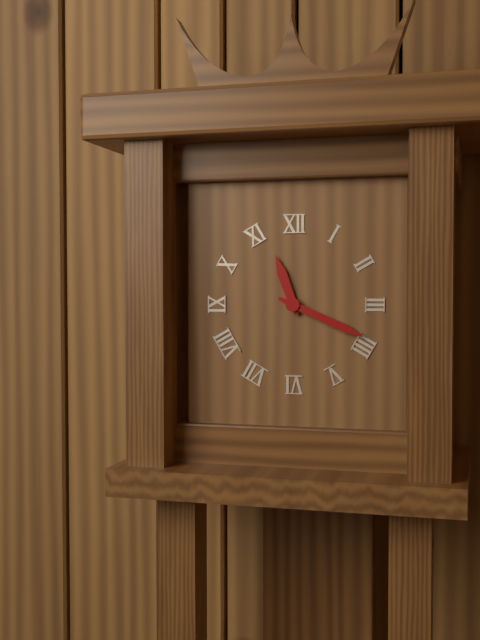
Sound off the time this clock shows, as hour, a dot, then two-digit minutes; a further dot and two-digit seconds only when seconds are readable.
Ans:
11.19
